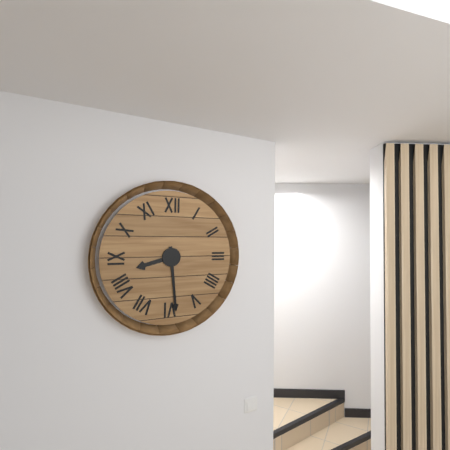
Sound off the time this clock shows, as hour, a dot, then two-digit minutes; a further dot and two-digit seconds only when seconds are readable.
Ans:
8.29
